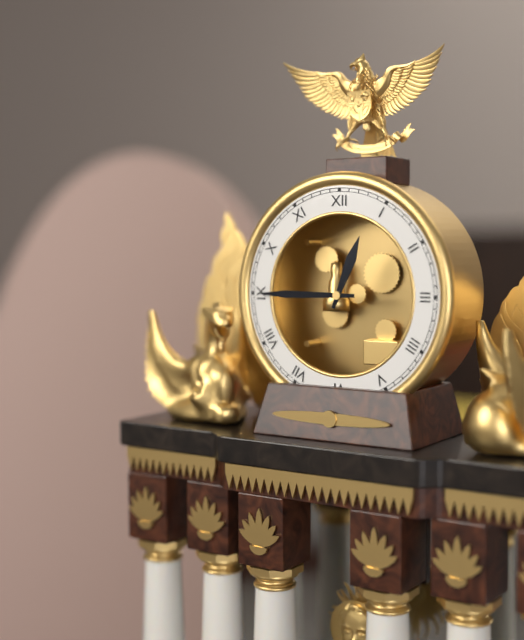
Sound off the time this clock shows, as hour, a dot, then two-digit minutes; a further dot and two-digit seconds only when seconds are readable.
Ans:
12.45
